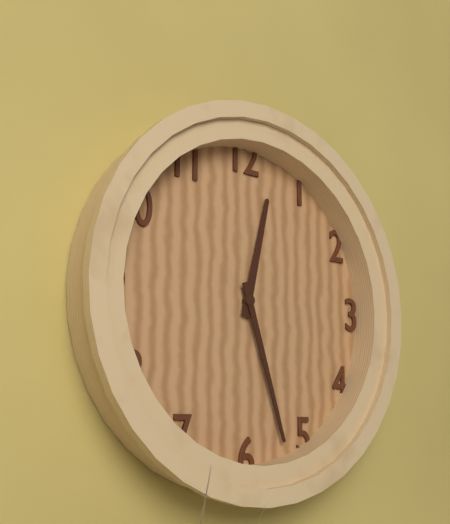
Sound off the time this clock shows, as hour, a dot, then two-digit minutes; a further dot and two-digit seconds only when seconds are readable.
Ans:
12.27
